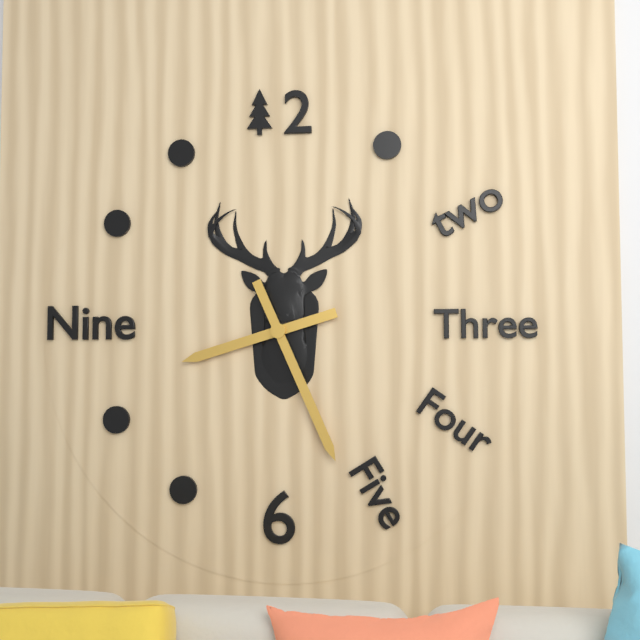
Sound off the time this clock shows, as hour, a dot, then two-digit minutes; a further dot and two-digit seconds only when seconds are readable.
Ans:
8.26
